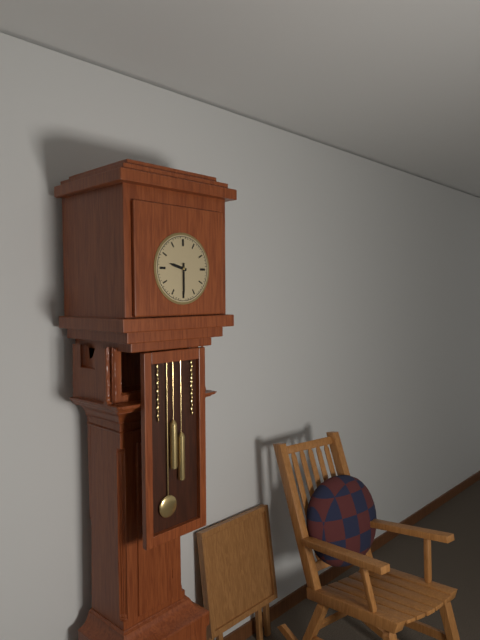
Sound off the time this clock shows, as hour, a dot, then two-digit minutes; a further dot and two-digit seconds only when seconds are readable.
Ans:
9.30
